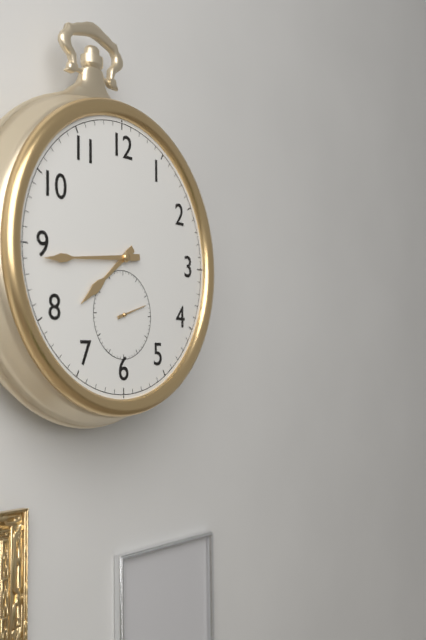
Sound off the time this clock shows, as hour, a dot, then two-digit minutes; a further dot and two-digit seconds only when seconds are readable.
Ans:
7.44
